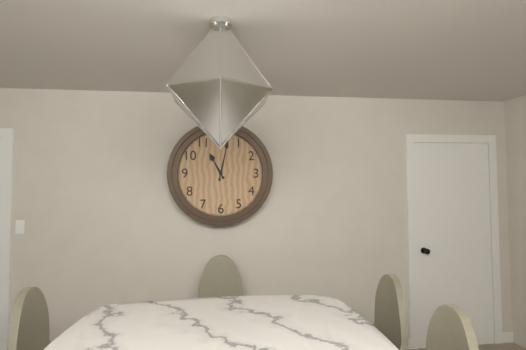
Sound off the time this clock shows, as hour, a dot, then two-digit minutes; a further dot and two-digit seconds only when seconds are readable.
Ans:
11.02
